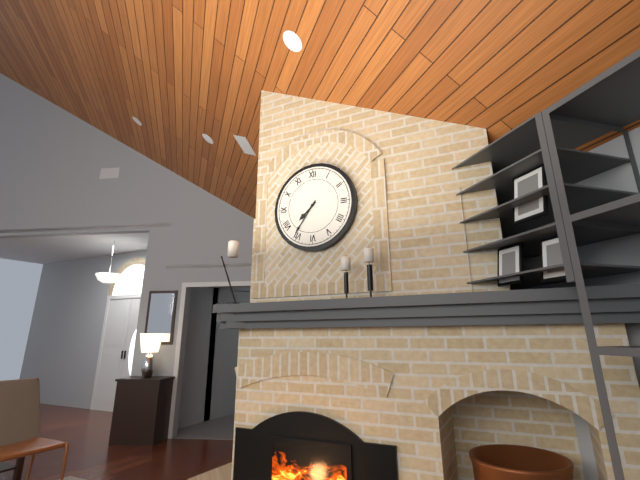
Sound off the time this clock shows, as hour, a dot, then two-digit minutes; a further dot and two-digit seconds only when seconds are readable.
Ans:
7.36
